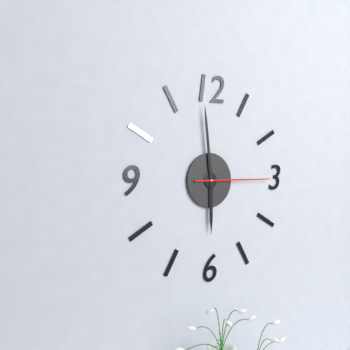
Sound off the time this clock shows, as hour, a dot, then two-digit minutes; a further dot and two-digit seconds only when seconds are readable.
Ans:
5.59.15
